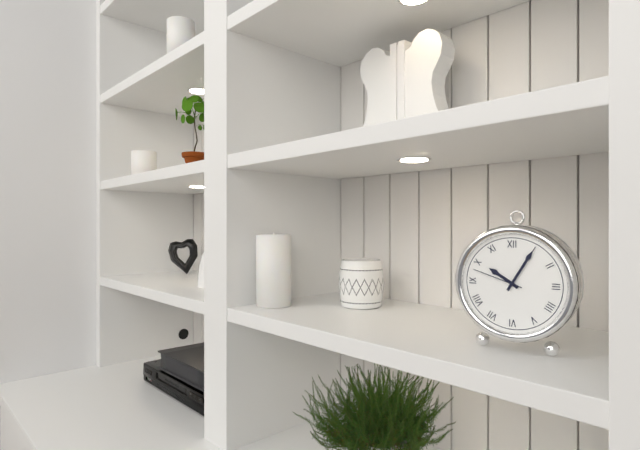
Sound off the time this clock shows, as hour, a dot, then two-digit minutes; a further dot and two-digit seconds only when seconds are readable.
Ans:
10.05.48
